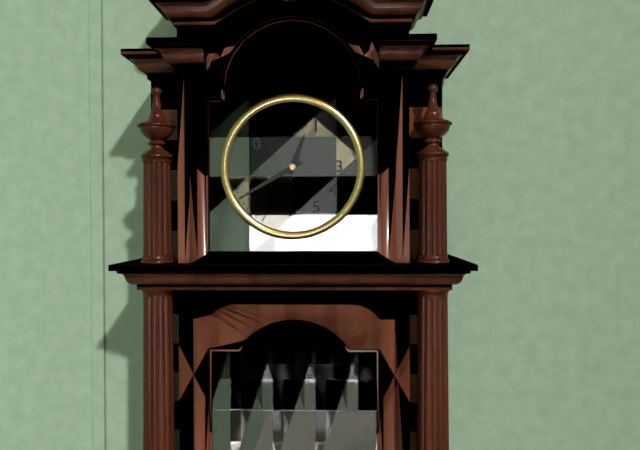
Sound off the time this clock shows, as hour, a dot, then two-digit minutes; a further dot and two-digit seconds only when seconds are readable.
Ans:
12.40
